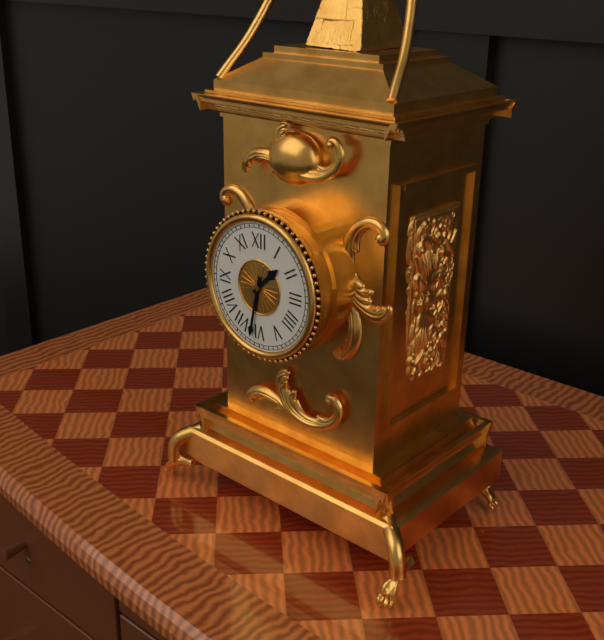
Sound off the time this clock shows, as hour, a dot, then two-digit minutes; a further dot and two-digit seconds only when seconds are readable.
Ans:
1.32
